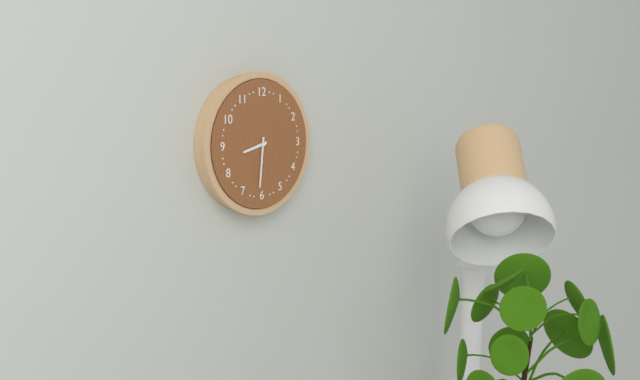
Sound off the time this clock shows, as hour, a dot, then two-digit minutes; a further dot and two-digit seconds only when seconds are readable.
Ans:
8.31
